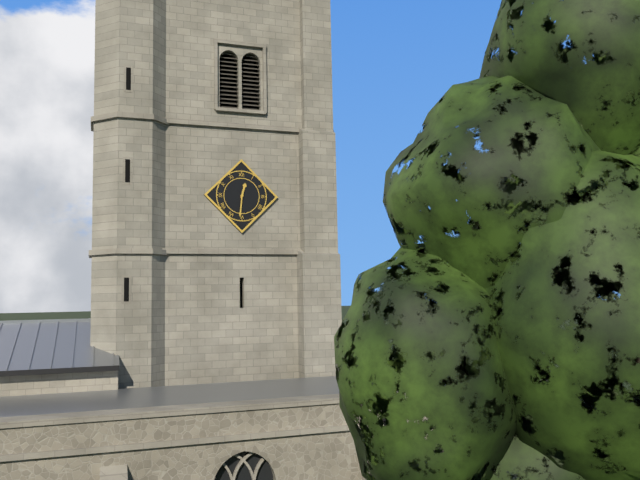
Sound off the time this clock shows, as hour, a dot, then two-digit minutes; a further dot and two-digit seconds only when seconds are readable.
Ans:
12.31
